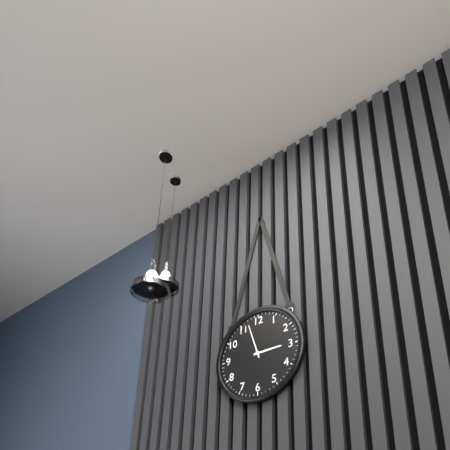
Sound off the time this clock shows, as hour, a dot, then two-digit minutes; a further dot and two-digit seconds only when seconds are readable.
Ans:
2.57
